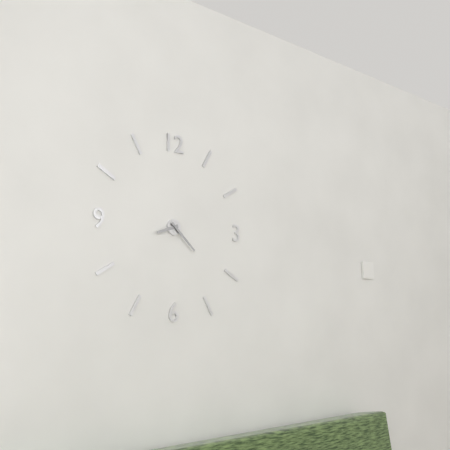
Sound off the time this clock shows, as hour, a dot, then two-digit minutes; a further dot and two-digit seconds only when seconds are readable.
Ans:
8.22
